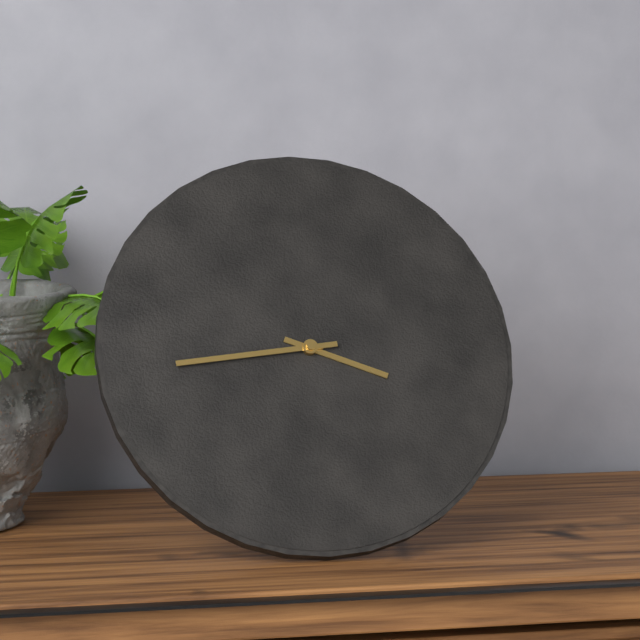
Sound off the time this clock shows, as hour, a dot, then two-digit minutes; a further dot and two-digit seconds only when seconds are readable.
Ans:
3.44
